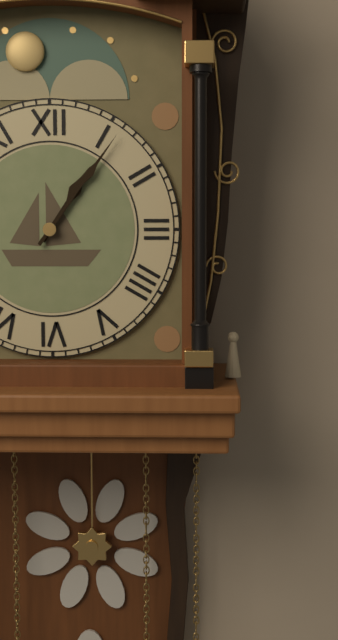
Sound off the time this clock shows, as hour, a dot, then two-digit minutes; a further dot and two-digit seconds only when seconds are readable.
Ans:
1.06
